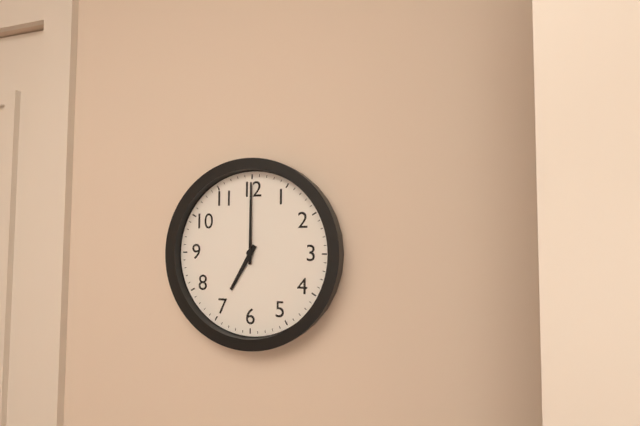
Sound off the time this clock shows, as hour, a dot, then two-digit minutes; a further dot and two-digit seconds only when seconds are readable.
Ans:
7.00
